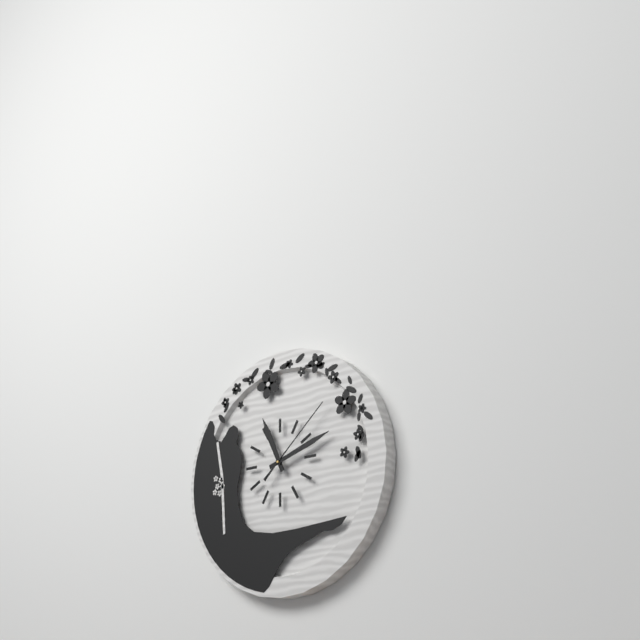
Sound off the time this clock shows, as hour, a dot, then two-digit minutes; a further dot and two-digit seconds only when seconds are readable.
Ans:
11.12.08
